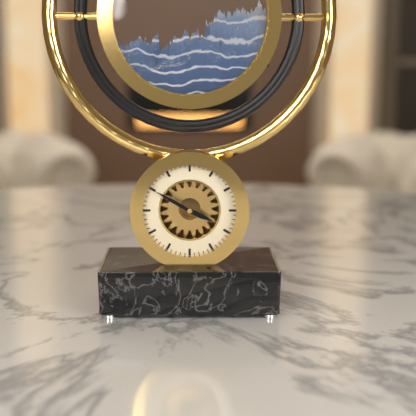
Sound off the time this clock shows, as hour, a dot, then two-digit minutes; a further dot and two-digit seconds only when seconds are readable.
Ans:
3.50
